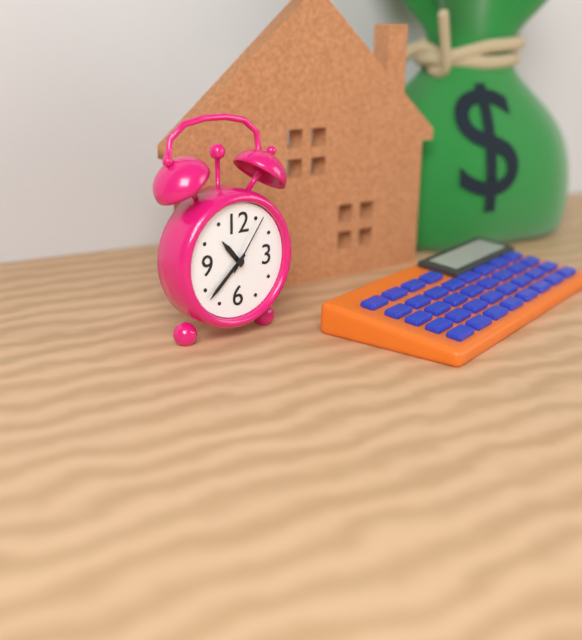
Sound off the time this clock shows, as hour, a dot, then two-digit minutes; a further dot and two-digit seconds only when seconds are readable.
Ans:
10.38.06
